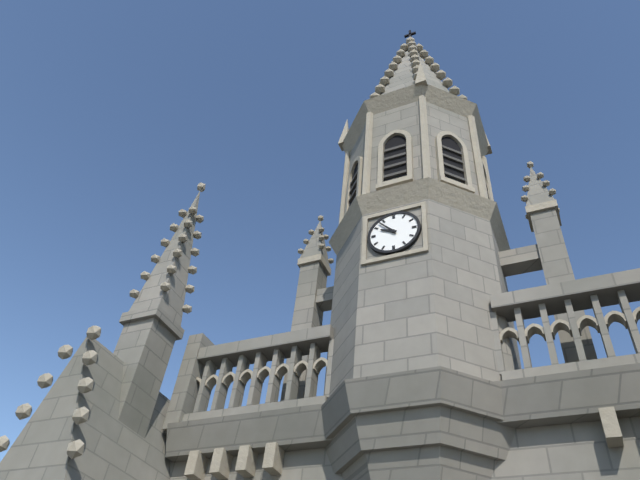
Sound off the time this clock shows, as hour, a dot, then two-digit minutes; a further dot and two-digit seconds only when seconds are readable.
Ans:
9.53
